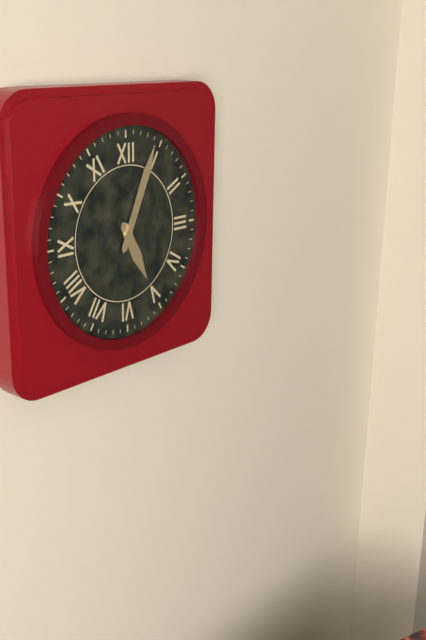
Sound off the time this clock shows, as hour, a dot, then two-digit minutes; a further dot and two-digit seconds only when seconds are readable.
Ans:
5.04
